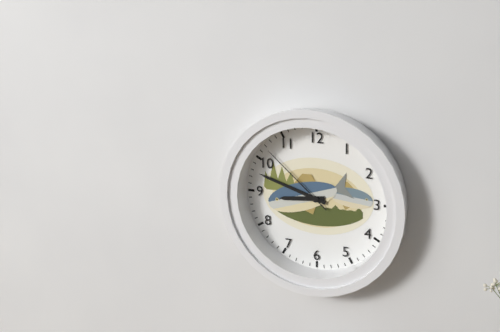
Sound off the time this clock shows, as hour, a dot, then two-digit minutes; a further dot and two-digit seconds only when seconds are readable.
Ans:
8.48.52
